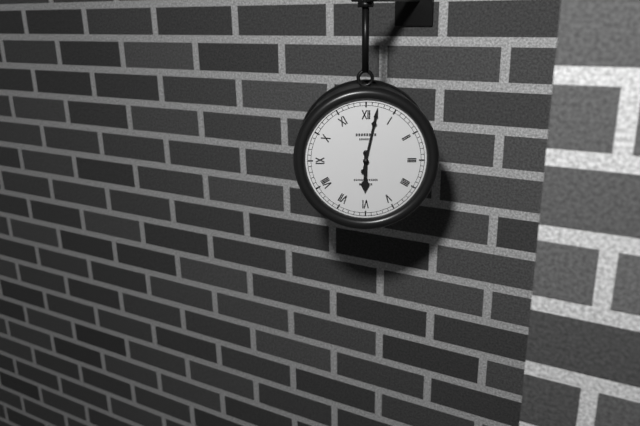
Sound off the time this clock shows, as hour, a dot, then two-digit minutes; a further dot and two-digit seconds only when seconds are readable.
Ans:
6.02
